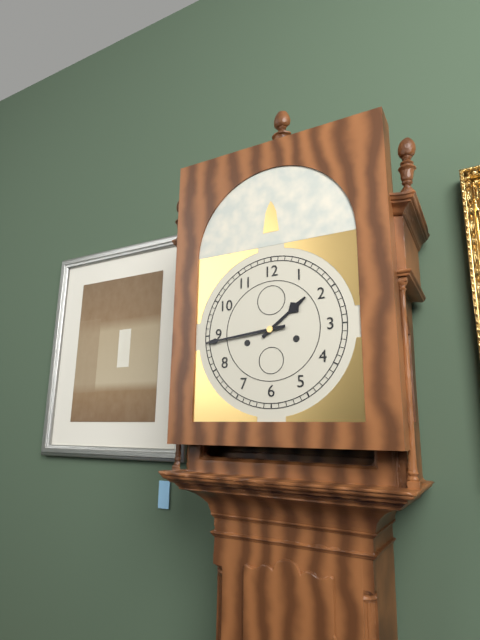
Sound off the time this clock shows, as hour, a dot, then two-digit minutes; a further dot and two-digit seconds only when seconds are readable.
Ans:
1.44
